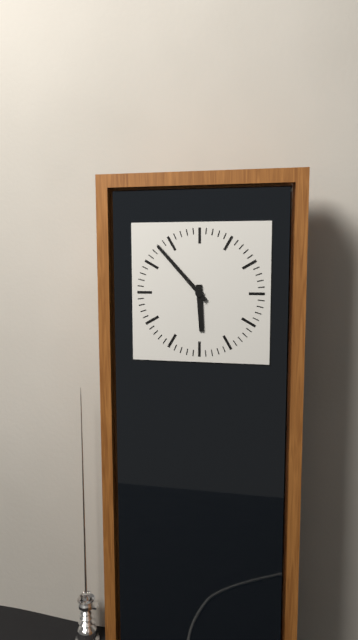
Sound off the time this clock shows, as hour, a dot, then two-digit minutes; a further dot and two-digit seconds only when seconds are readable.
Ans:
5.53
